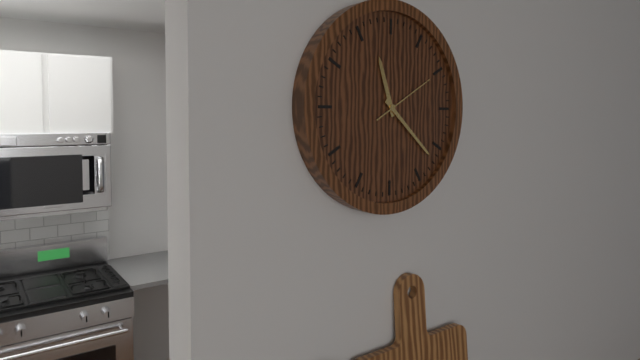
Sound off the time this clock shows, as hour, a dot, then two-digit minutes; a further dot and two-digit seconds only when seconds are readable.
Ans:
11.22.10
